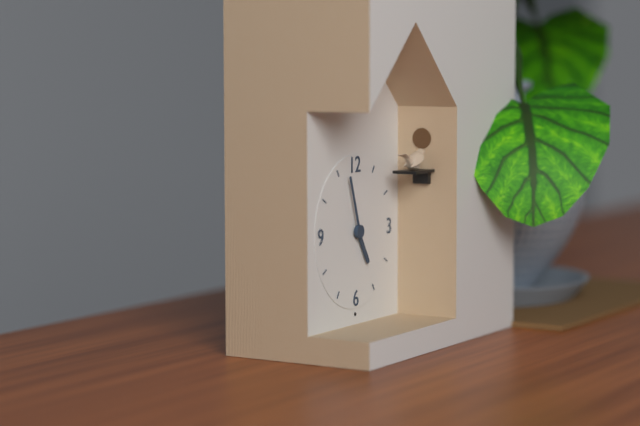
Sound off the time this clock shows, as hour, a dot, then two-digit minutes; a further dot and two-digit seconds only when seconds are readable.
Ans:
4.57
